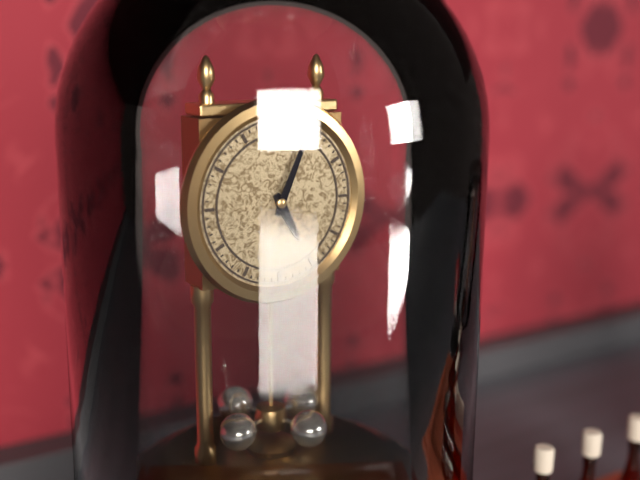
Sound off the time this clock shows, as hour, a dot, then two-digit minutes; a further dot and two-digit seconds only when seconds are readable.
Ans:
5.04
